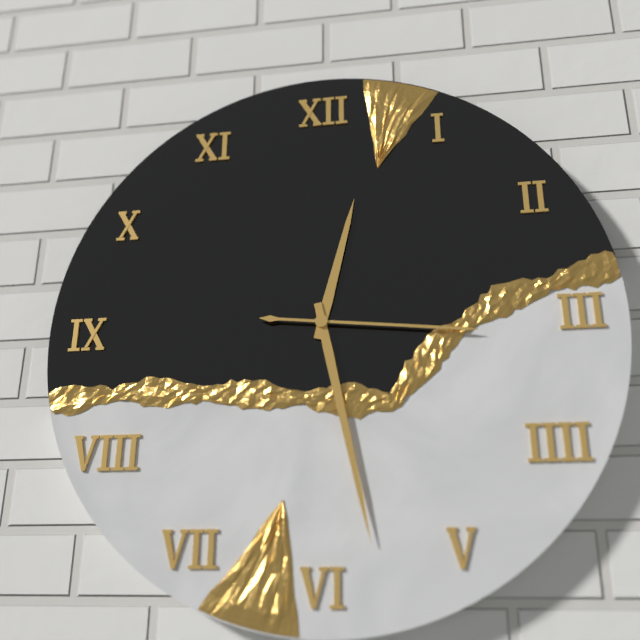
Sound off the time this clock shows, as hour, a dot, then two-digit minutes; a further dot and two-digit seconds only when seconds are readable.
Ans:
12.28.16
